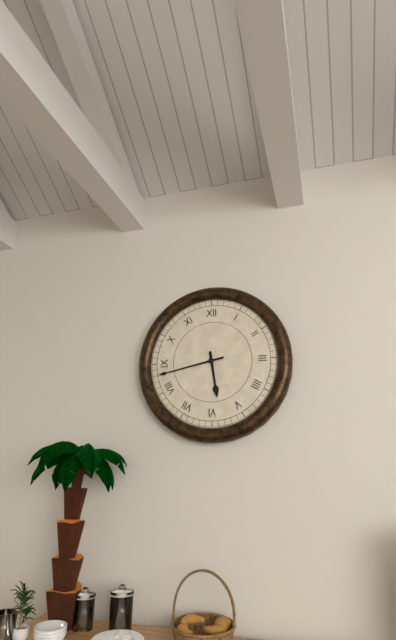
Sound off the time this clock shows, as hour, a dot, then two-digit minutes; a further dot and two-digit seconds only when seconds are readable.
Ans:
5.43
